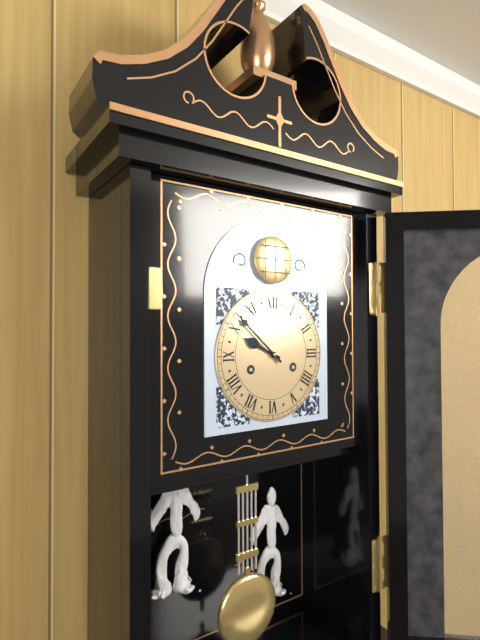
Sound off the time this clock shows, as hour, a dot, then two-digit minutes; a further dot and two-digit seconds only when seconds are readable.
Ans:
9.52
